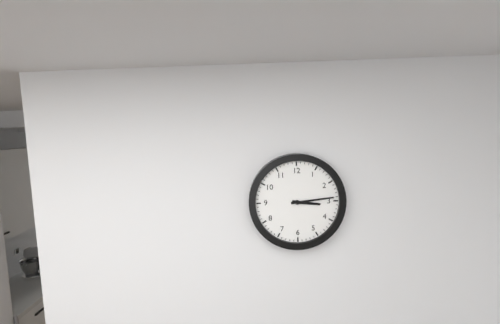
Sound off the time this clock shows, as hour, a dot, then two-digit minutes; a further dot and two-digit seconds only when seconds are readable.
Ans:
3.14
